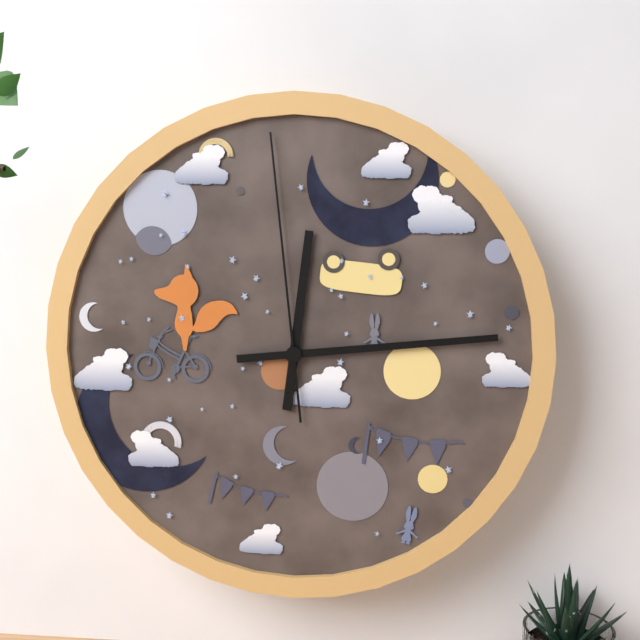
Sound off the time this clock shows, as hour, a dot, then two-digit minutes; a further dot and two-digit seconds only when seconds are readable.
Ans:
12.14.59
